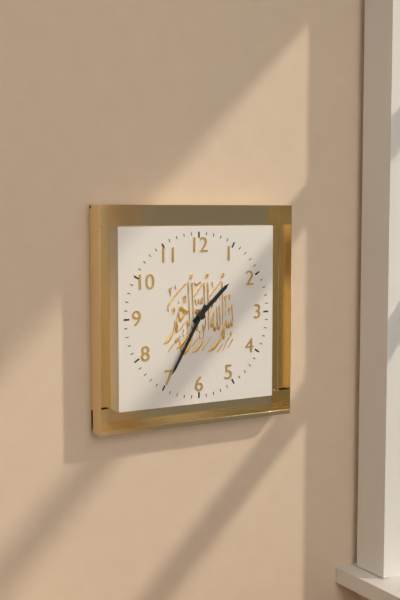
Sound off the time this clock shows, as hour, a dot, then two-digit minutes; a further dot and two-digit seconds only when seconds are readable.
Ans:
1.35
